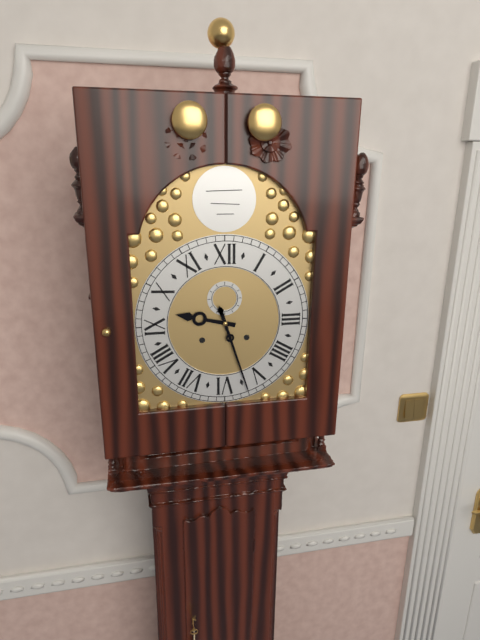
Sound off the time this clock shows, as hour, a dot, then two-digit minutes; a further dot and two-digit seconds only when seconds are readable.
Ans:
9.27
